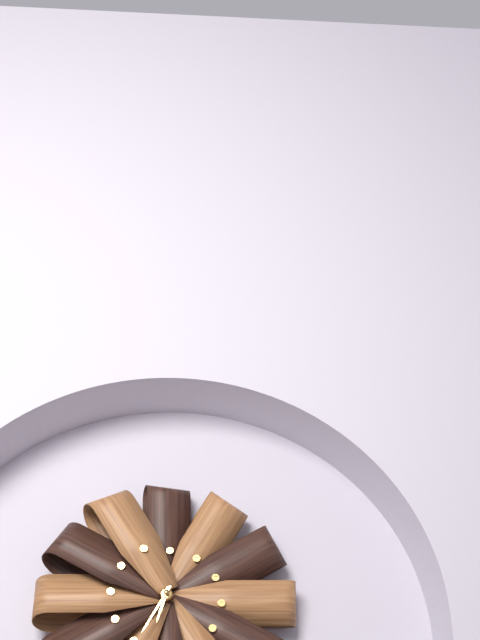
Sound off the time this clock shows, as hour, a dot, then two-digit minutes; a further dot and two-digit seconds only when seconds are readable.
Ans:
6.35
